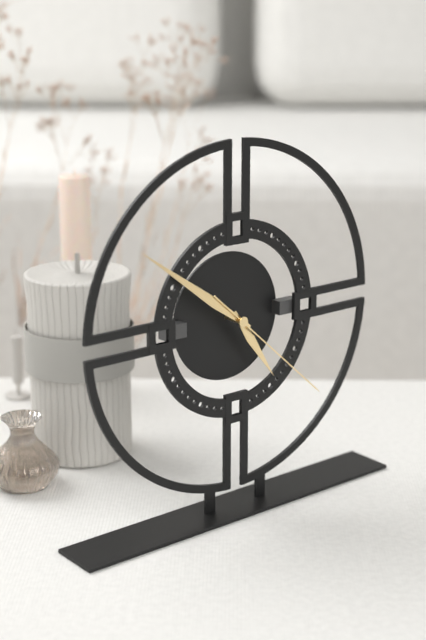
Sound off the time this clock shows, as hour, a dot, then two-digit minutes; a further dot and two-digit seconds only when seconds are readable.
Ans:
4.51.22
